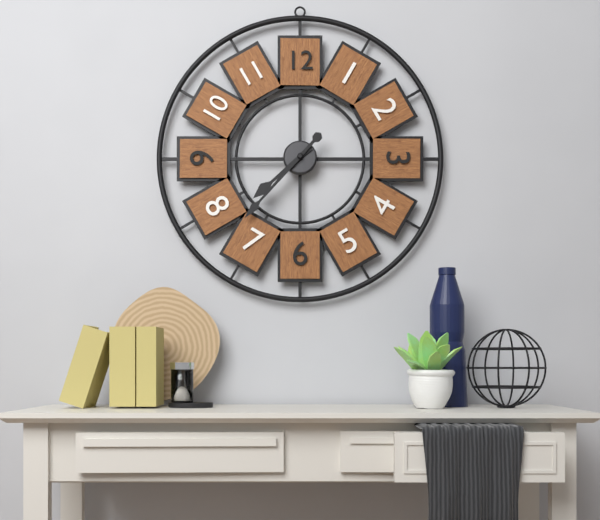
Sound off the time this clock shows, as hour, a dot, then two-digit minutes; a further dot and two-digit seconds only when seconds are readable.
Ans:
7.37
